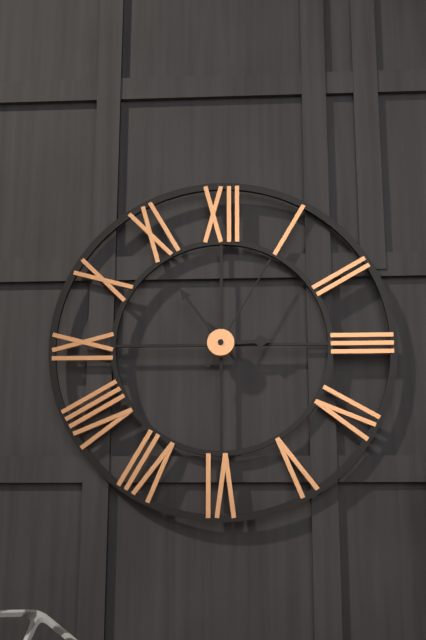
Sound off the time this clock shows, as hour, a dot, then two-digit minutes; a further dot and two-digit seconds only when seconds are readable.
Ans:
2.54.05
